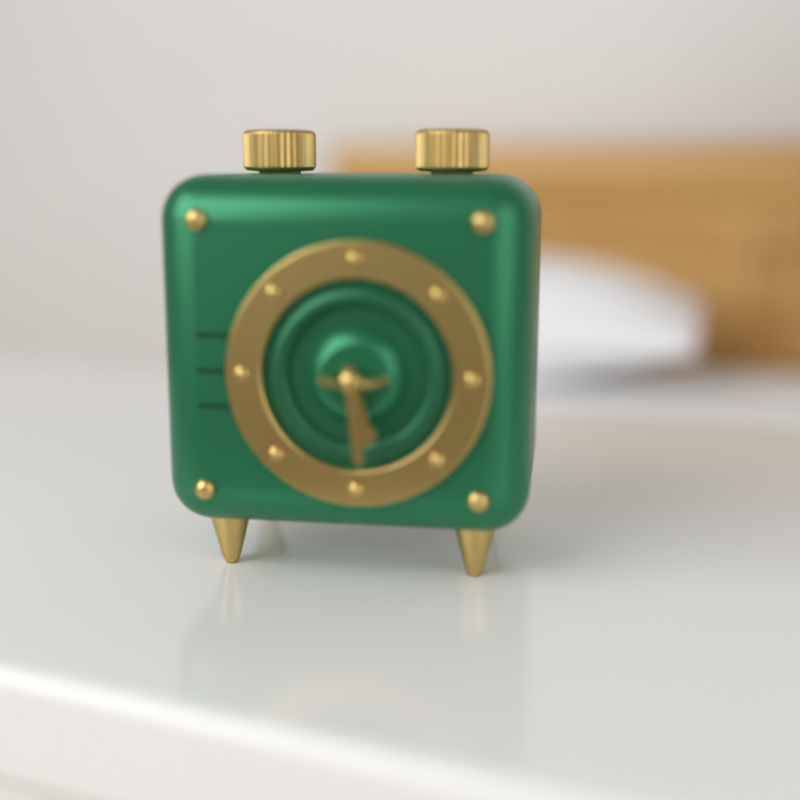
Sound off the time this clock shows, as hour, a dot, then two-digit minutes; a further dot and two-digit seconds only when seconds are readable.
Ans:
5.29
